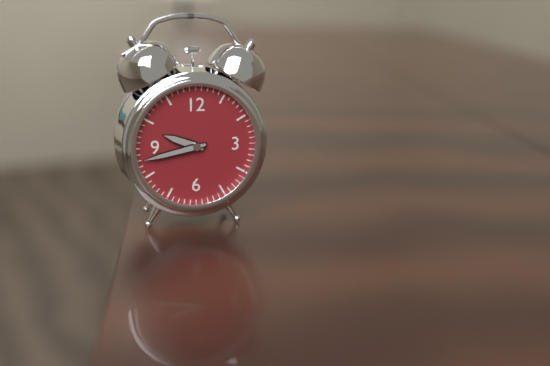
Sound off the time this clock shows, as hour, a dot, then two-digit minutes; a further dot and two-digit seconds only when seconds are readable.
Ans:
9.43
